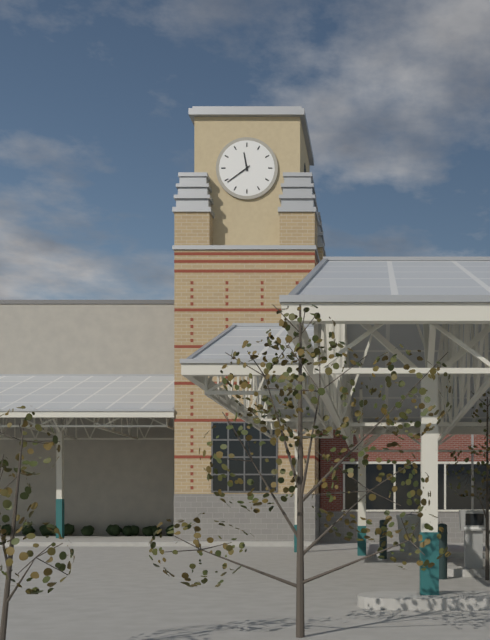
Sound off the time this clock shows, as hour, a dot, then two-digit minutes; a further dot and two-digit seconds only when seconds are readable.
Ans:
11.39
